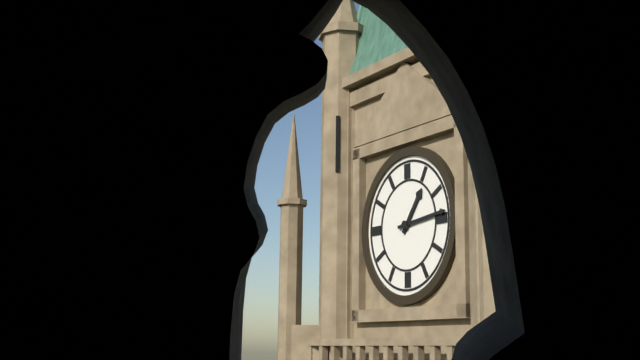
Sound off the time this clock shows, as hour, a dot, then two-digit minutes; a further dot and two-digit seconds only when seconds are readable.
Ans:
1.14
